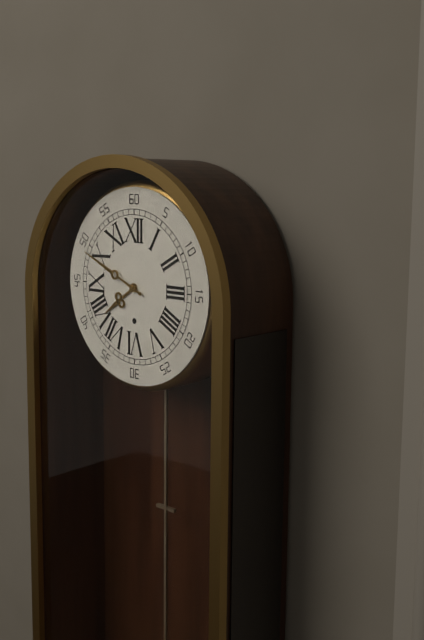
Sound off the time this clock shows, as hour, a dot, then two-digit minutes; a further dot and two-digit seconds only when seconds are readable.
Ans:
7.49
